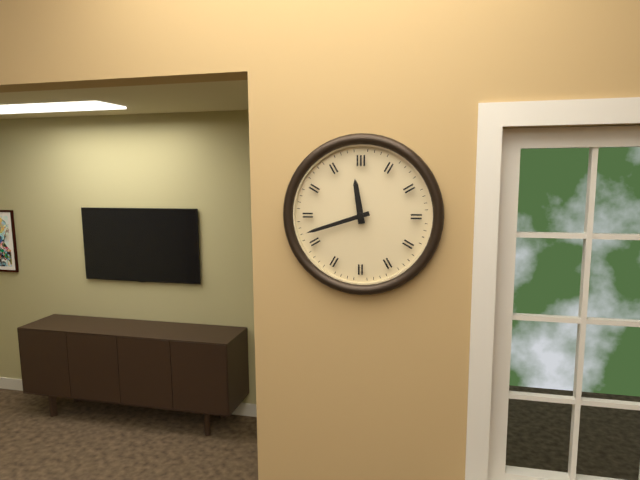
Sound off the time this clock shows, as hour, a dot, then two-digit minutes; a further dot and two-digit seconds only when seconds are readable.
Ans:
11.42
